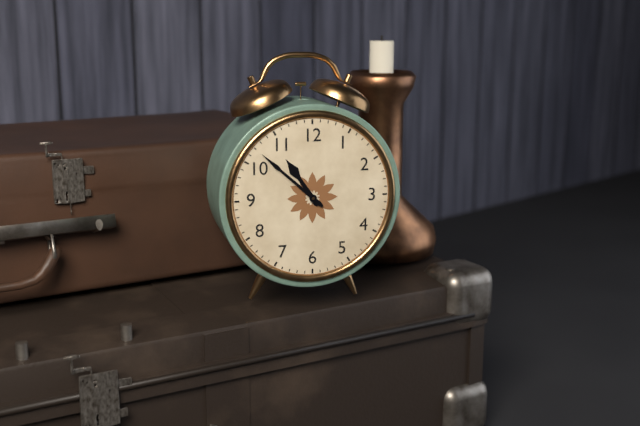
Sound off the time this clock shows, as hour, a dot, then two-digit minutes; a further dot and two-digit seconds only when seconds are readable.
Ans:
10.52
